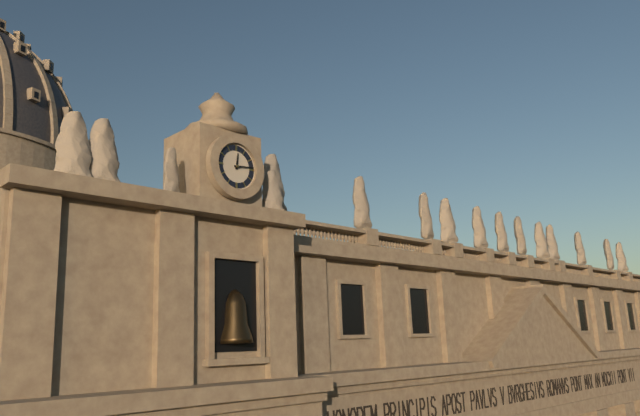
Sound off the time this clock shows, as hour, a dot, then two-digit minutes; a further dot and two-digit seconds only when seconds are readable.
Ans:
12.14
